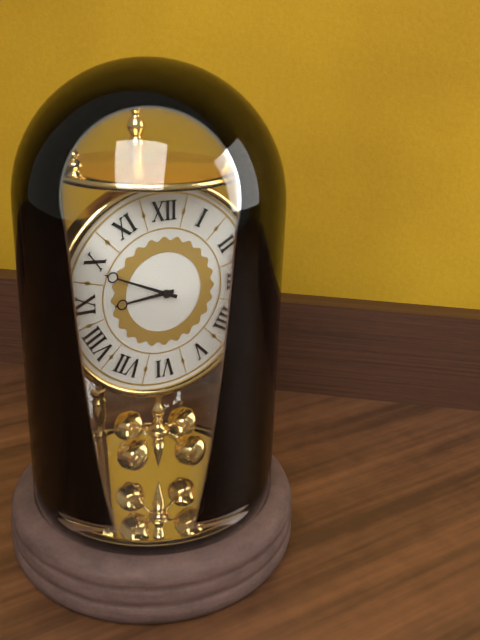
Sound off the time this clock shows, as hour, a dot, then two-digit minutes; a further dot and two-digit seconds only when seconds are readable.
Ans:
8.49
